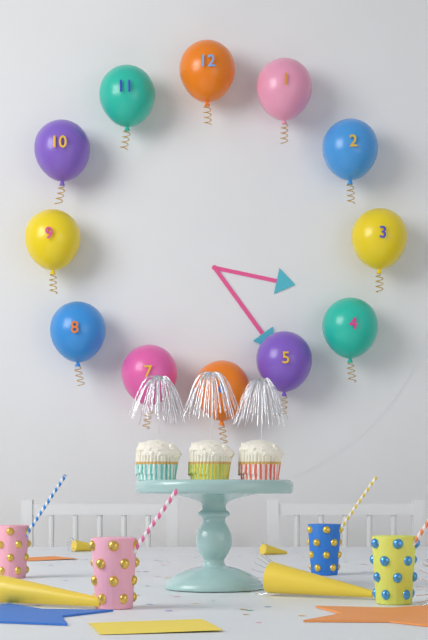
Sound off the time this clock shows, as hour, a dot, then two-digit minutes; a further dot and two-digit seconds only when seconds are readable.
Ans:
3.24
